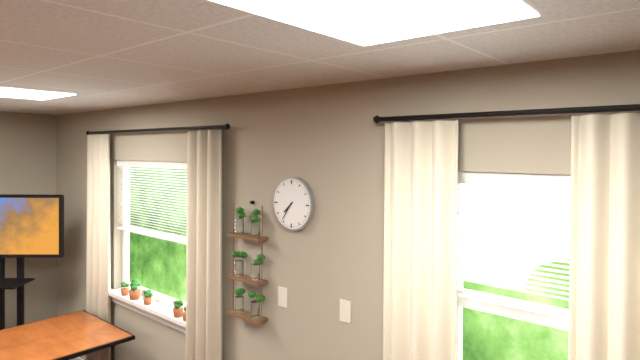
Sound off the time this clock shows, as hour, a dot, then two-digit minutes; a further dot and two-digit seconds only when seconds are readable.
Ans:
7.36
